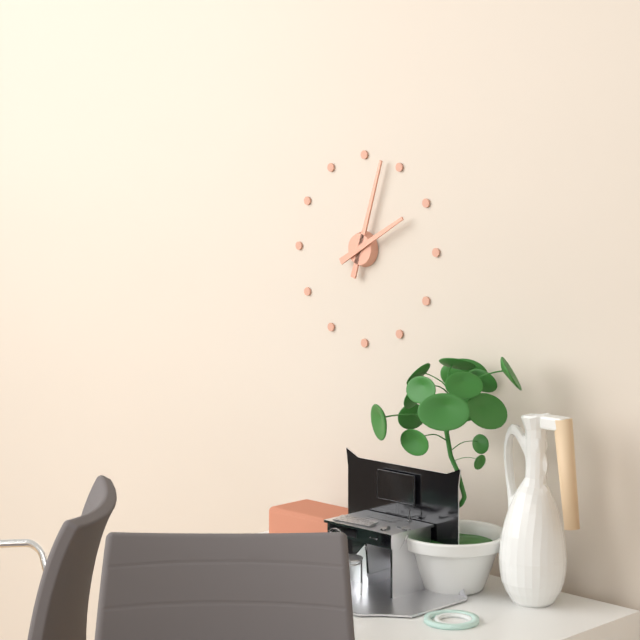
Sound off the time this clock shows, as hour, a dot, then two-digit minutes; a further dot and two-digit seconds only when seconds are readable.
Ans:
2.03
